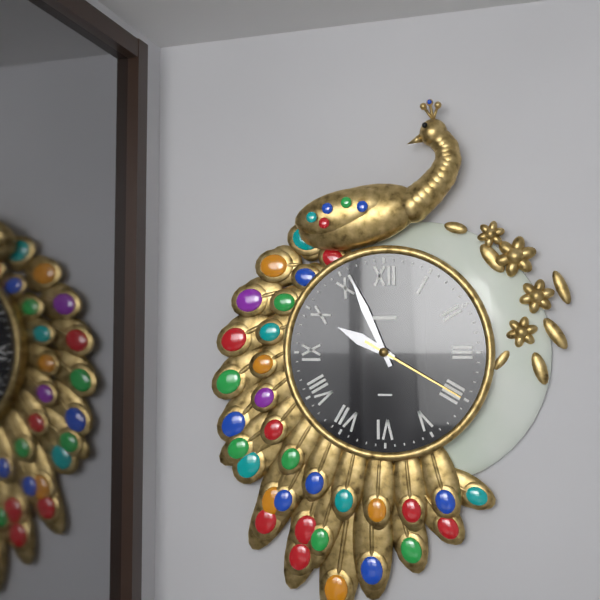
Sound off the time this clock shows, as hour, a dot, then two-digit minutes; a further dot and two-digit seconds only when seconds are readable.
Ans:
9.56.20
